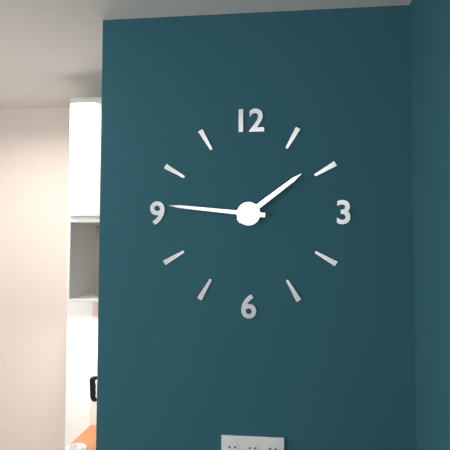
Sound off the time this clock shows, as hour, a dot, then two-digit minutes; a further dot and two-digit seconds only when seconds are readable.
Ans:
1.46
